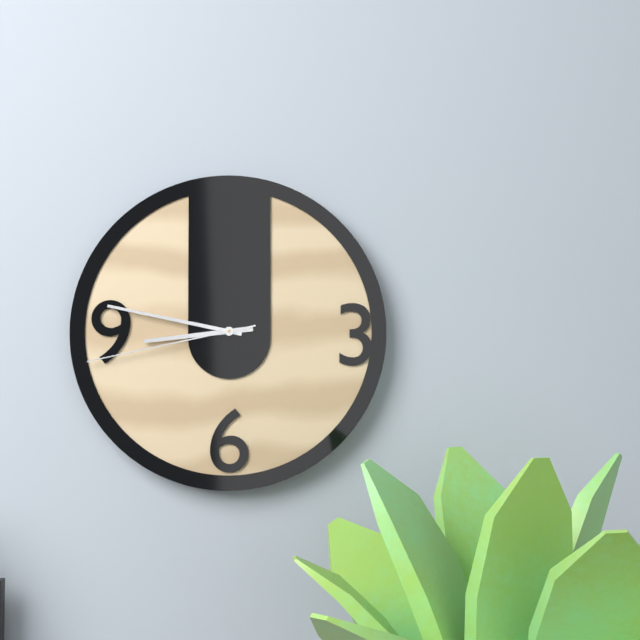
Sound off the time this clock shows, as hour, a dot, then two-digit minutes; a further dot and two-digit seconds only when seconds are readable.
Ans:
8.47.43
